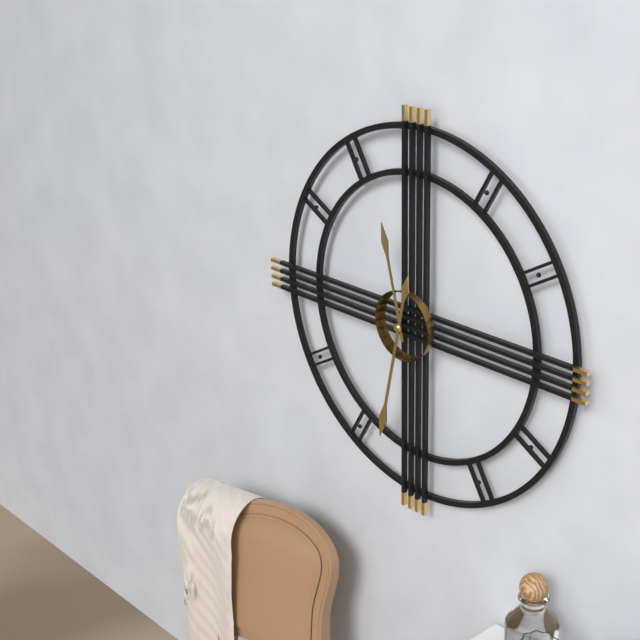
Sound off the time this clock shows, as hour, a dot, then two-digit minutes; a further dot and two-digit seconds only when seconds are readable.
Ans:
11.32
